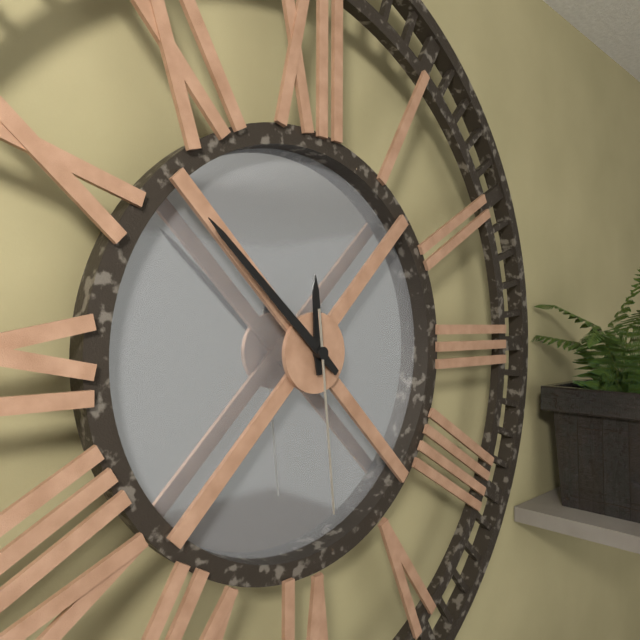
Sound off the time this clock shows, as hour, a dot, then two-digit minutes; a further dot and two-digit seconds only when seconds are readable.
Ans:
11.52.29
